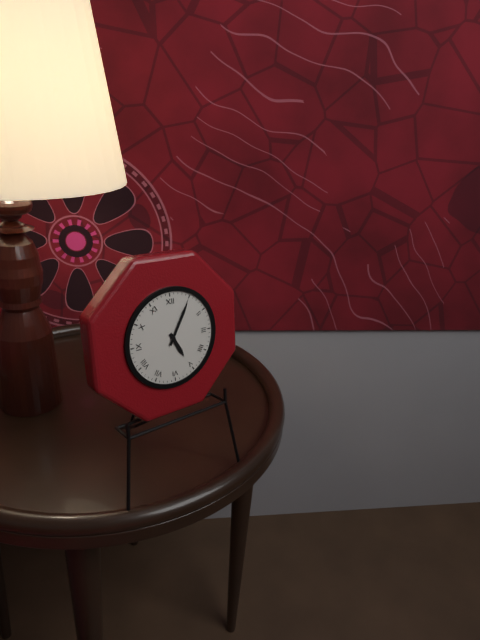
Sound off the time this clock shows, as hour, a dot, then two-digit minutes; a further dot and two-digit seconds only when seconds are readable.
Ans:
5.05
